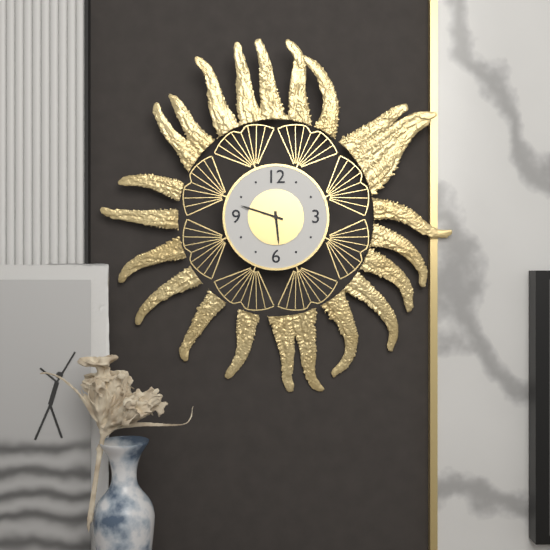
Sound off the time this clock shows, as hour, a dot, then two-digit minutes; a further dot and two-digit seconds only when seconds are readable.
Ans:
5.48
